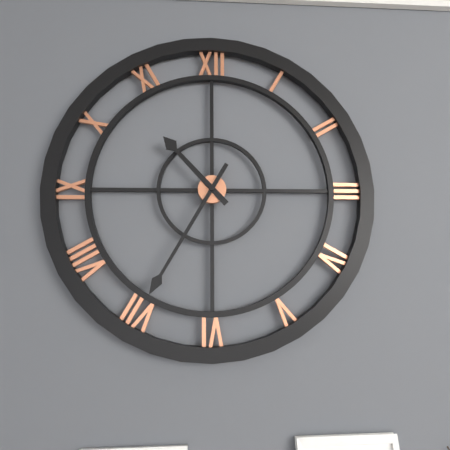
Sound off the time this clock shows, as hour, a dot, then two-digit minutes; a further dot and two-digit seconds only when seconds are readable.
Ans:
10.35
